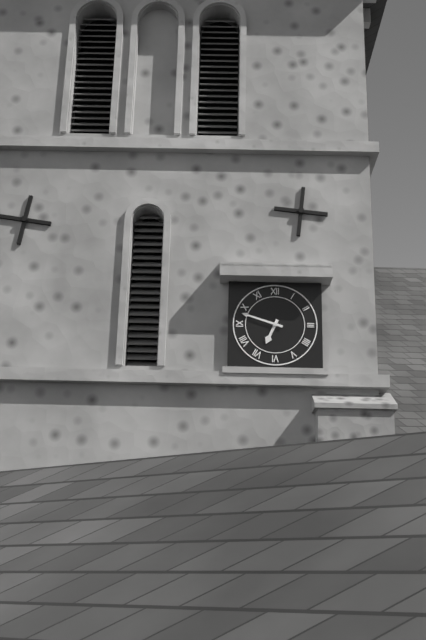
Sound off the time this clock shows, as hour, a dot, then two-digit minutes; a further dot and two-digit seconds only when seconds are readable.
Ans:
6.48
